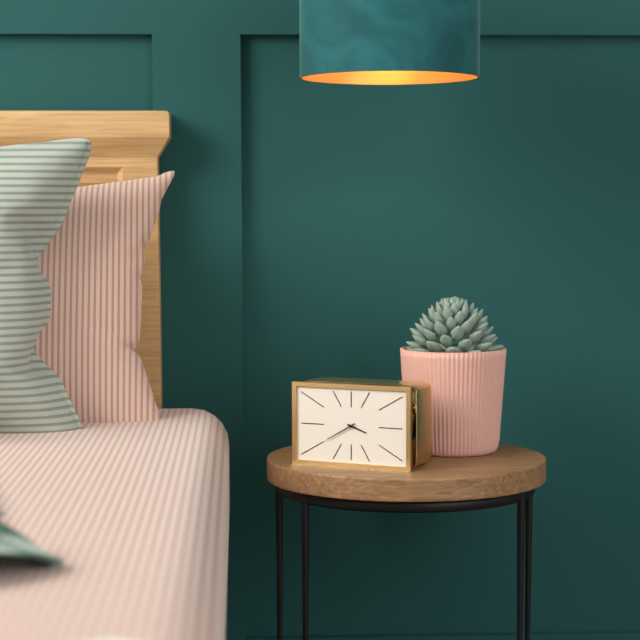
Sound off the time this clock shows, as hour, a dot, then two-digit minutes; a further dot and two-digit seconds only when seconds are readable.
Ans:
3.40
